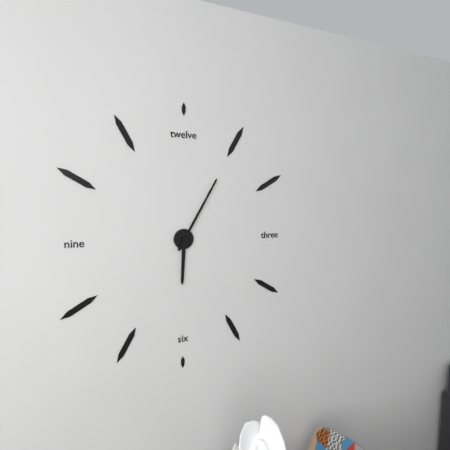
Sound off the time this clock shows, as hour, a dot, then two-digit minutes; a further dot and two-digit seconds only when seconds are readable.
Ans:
6.05
